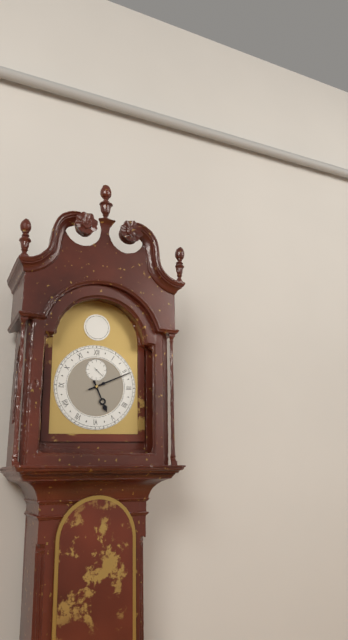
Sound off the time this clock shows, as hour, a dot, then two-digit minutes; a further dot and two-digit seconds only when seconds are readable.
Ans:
5.11
